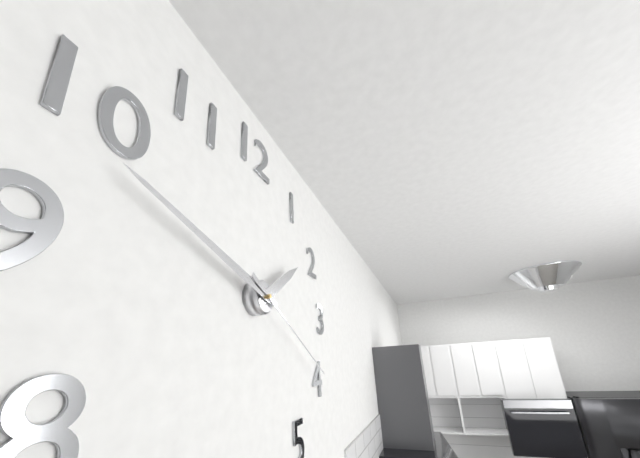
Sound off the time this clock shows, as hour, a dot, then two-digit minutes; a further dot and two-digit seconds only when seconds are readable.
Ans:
1.48.20
